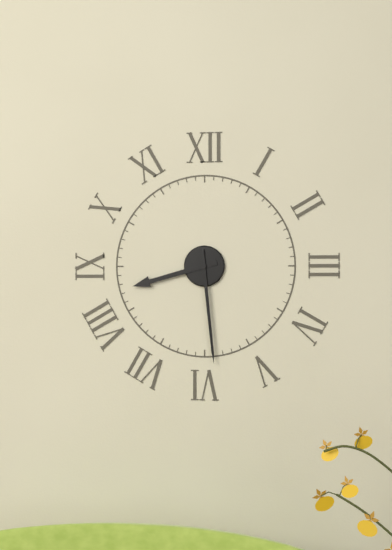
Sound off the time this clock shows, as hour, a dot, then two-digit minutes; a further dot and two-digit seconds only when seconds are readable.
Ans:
8.29
